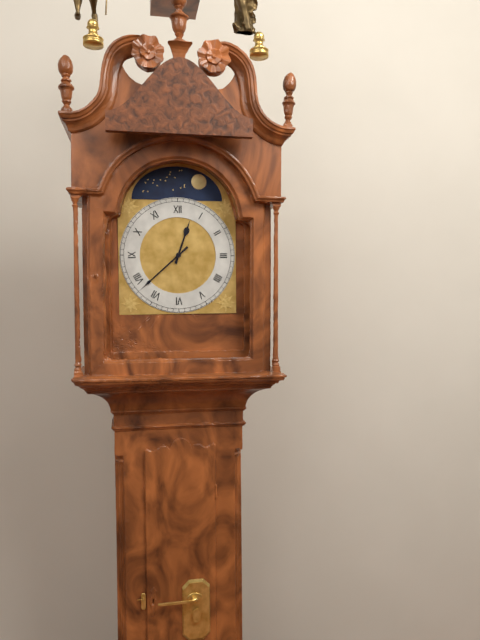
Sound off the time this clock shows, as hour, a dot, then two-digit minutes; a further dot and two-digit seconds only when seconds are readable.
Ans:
12.38
